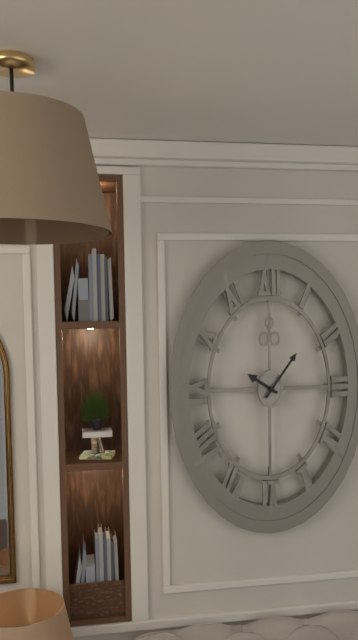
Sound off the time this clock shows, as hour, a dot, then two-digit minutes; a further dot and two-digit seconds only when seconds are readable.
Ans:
10.06
